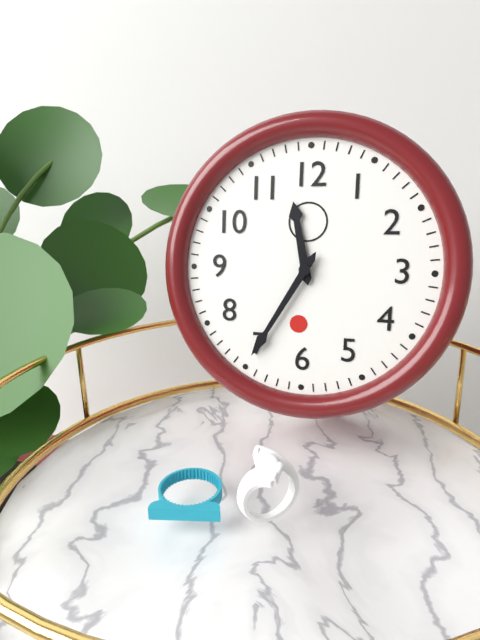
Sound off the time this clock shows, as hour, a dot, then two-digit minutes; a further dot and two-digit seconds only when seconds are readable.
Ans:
11.35
